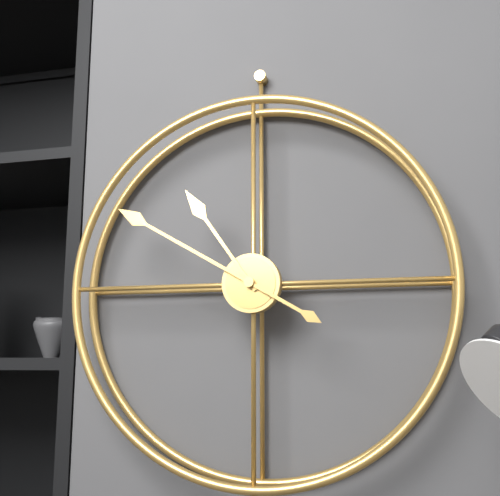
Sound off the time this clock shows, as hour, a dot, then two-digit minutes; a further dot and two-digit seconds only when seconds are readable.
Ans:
10.50
